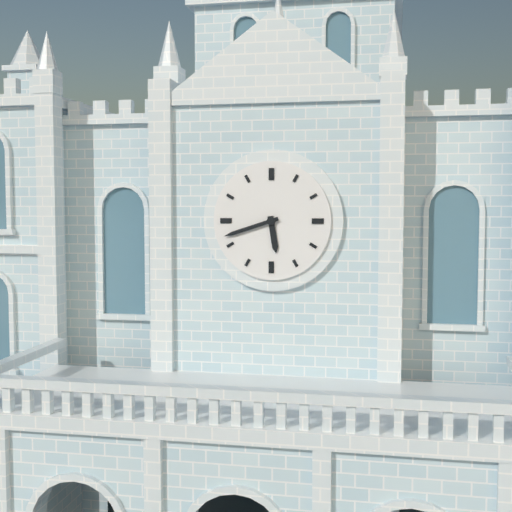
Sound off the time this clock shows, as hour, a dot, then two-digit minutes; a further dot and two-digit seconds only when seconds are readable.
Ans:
5.42
